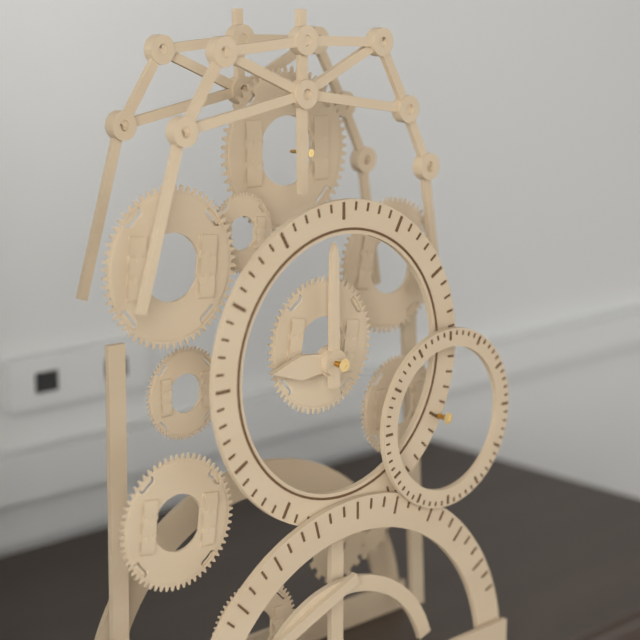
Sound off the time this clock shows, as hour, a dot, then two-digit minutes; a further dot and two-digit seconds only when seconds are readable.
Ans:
9.00
